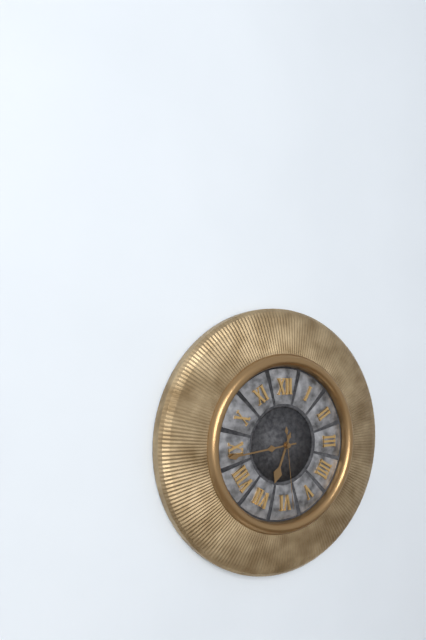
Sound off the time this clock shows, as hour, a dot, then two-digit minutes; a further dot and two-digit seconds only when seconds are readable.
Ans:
6.44.29
